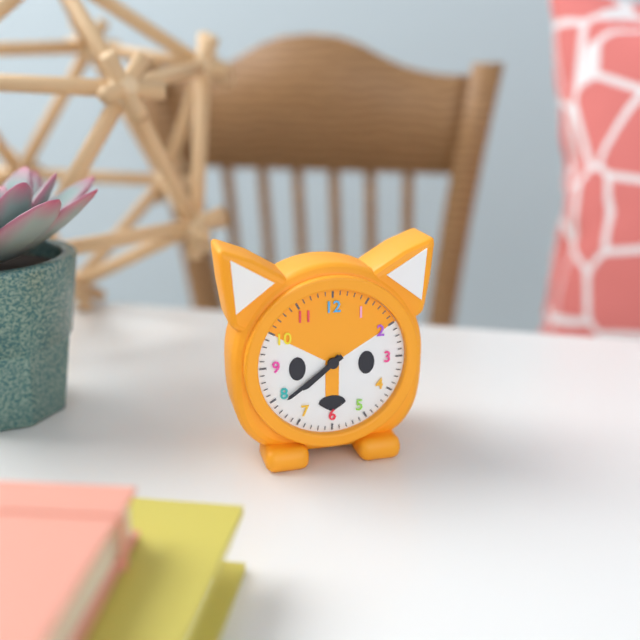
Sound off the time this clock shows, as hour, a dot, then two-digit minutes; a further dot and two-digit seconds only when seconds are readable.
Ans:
7.39
